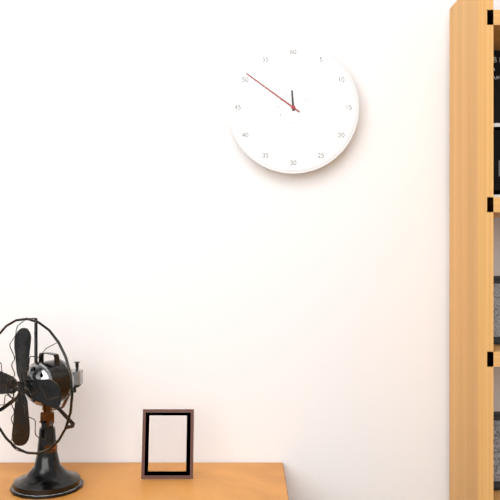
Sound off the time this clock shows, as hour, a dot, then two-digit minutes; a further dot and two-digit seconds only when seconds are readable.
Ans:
11.51
